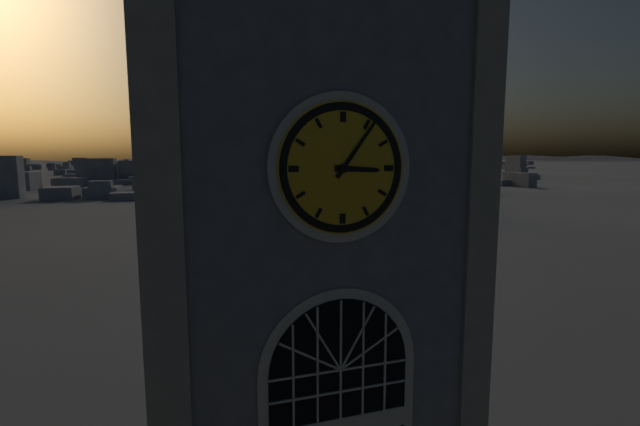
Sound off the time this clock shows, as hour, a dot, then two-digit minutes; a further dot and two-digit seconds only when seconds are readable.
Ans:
3.06
